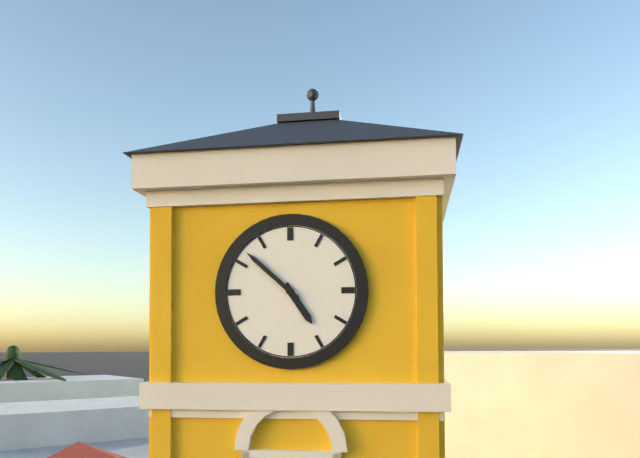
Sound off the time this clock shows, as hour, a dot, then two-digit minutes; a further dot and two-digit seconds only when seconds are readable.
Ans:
4.52
